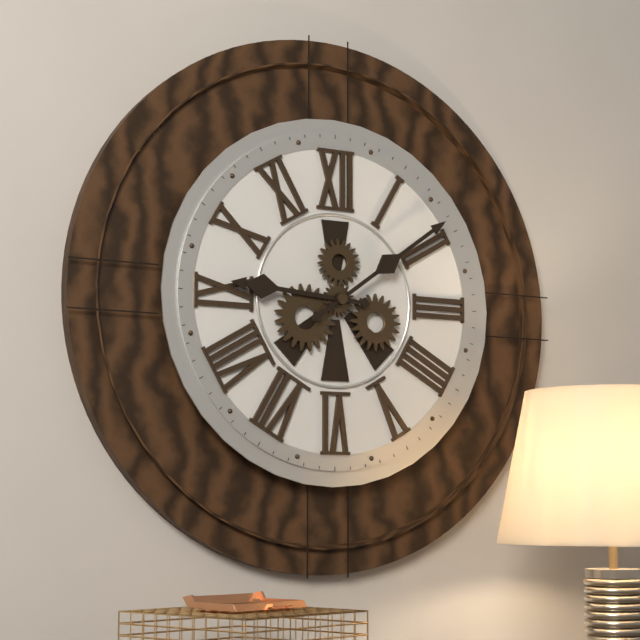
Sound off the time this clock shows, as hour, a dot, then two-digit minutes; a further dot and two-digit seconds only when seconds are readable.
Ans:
9.09
